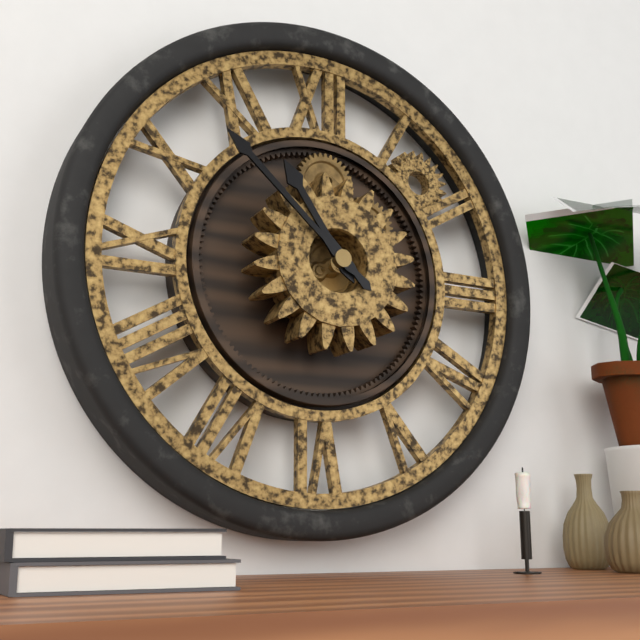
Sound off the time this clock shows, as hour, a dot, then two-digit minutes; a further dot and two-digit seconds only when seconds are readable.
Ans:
10.52
